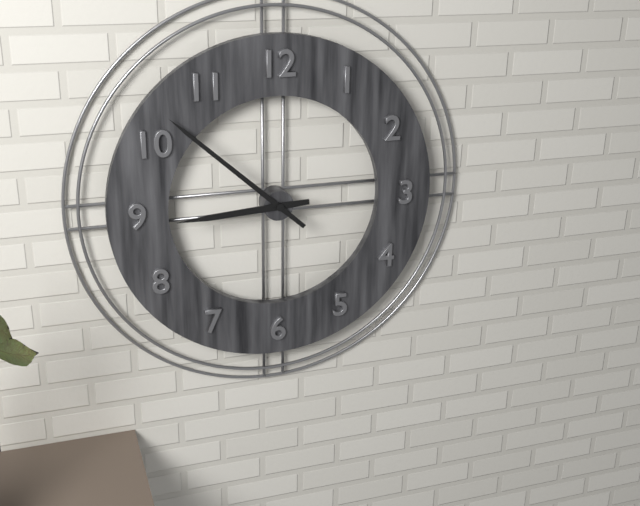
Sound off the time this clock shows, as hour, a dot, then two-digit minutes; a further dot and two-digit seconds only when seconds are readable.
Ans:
8.52
